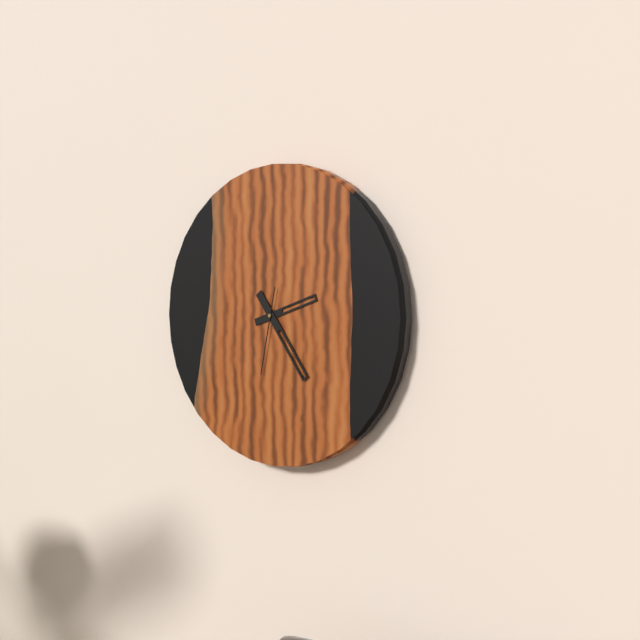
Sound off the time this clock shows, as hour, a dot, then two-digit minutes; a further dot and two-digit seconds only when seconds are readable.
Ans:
2.24.32
